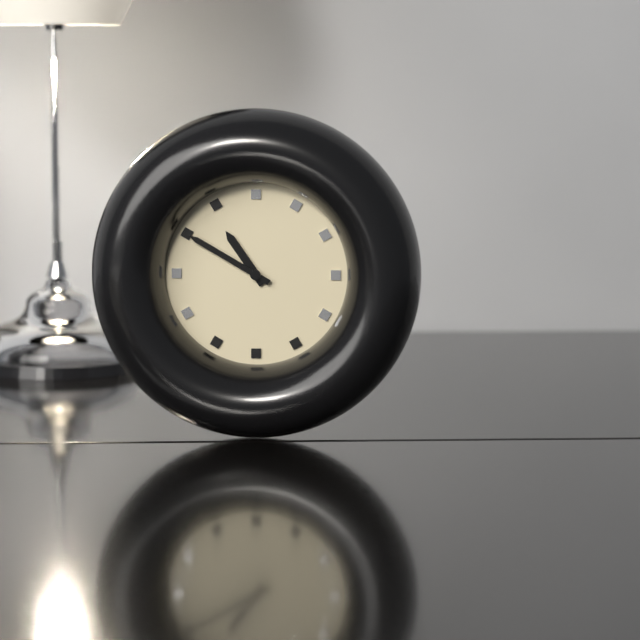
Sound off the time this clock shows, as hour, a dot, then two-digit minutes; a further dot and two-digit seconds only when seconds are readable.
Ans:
10.50
